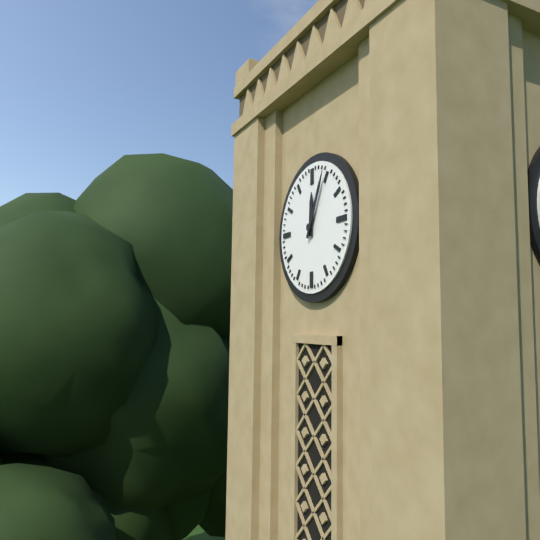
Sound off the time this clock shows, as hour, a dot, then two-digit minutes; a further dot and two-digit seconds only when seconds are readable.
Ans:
12.04
